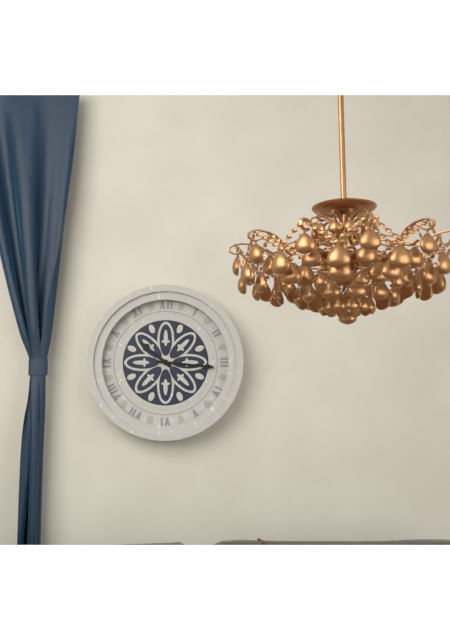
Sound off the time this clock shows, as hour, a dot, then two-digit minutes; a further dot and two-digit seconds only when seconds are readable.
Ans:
10.16
